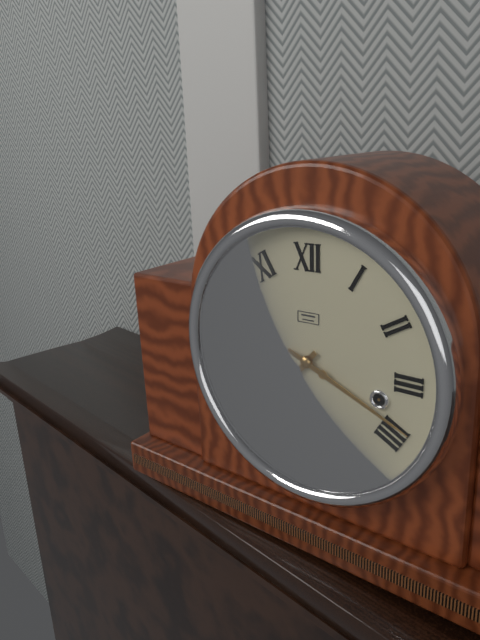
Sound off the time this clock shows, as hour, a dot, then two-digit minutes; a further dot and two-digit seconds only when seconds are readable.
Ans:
7.19
